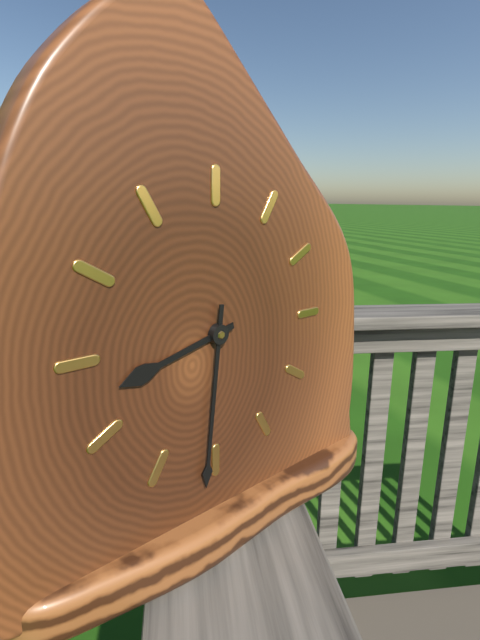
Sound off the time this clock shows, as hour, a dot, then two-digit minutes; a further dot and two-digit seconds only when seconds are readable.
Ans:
8.31
